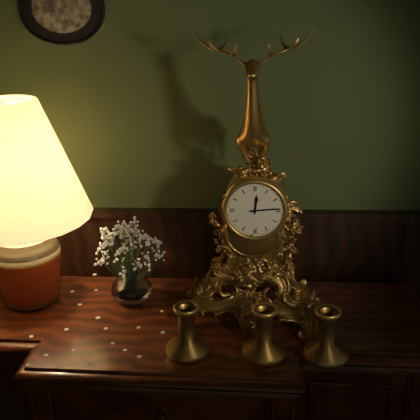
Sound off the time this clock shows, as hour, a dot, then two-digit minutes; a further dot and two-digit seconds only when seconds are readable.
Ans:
12.14
